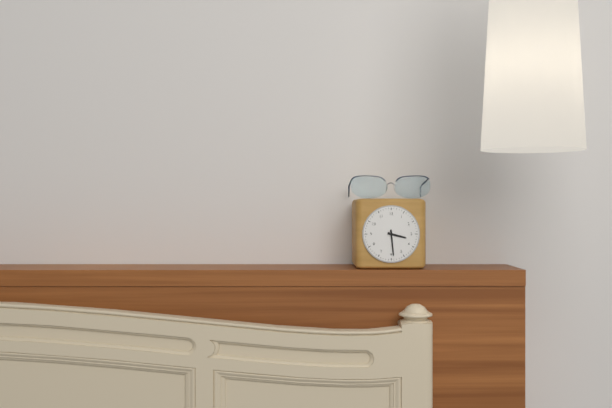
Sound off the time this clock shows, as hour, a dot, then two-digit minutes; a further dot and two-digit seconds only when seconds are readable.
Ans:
3.29
